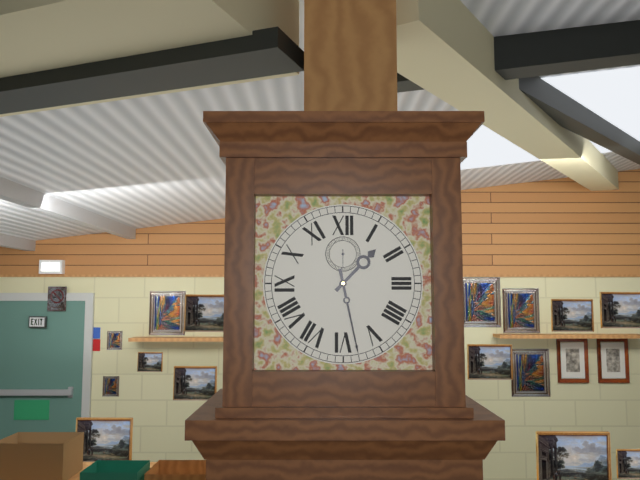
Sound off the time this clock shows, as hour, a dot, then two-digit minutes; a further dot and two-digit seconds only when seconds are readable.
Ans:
1.28
